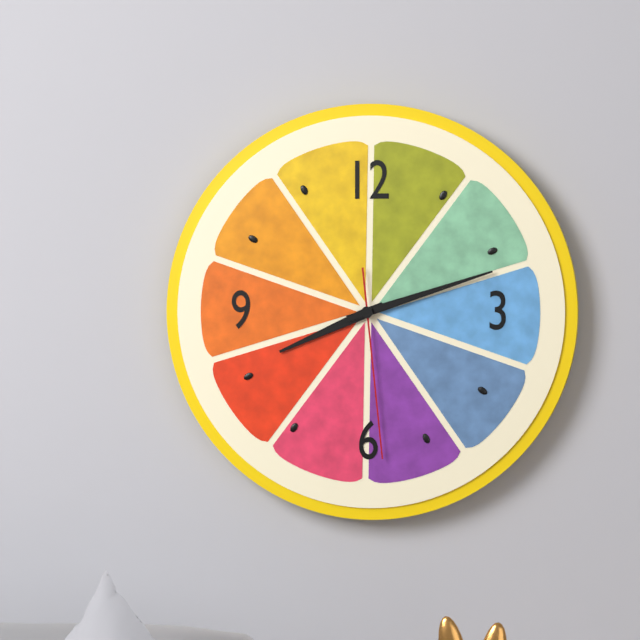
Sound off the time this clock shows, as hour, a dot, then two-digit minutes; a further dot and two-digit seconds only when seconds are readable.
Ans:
8.12.29
